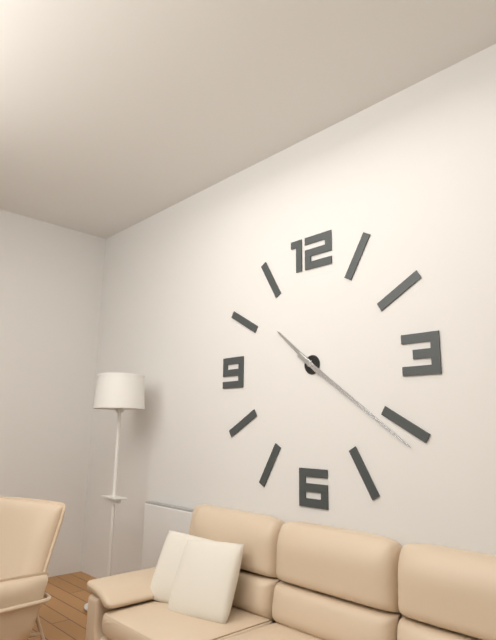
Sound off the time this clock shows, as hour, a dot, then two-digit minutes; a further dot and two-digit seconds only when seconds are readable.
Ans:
10.21
